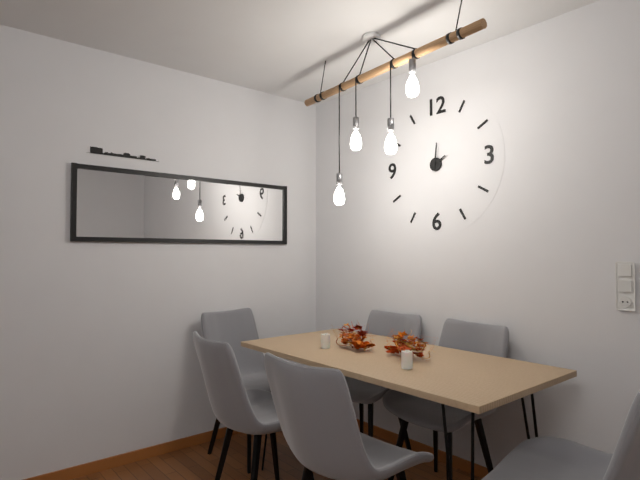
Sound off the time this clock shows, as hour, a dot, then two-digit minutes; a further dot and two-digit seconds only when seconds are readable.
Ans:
2.01
